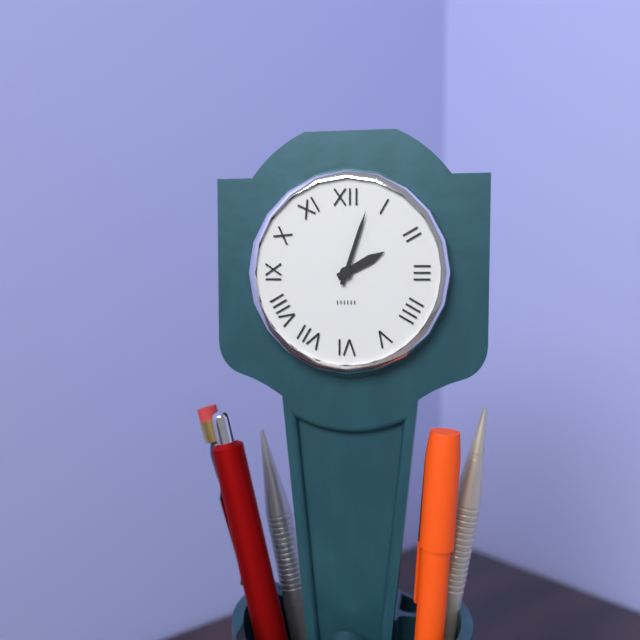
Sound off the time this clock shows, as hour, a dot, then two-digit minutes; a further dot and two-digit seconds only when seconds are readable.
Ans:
2.03
